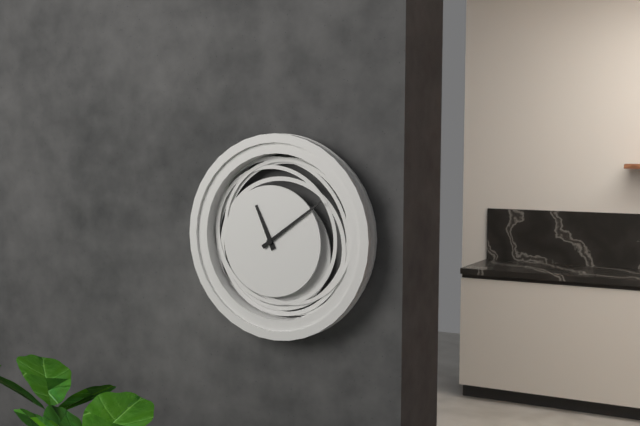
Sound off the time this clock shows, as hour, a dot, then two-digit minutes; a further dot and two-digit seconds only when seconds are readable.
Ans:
11.09
